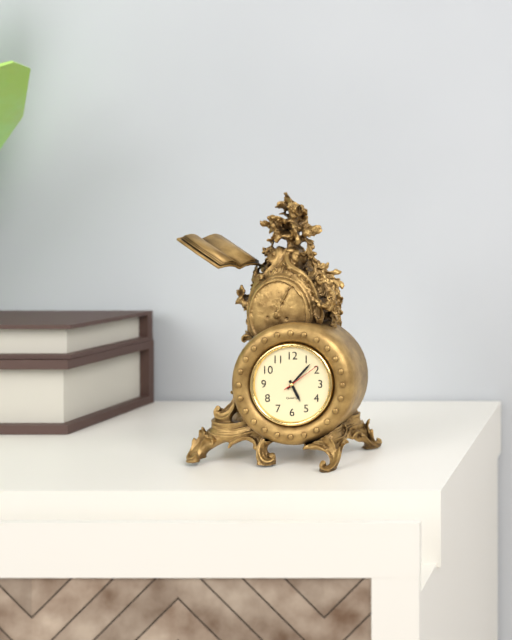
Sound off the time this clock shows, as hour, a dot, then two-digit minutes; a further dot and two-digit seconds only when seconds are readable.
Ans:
5.07
